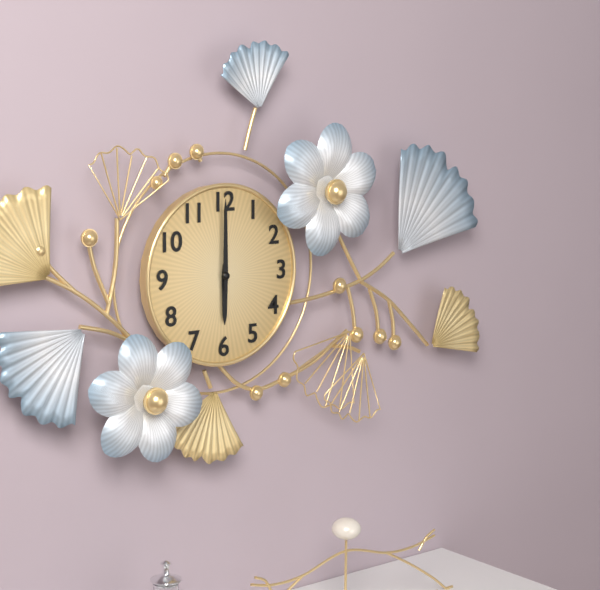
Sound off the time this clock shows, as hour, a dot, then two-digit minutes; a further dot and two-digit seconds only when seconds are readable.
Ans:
6.00
